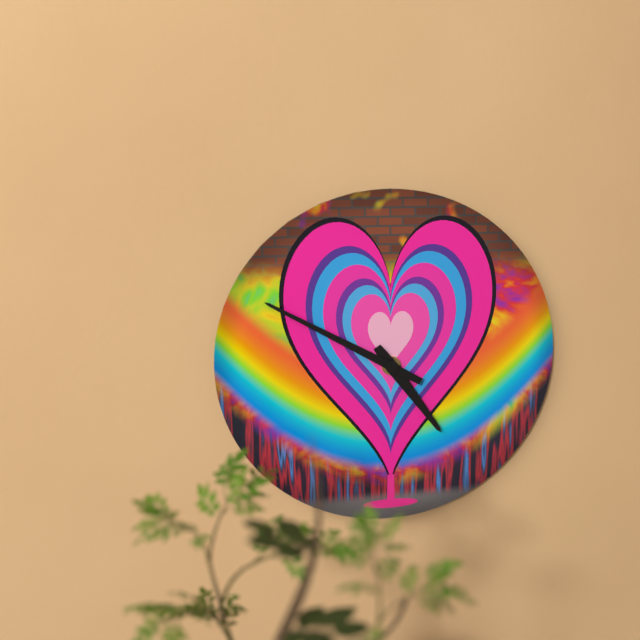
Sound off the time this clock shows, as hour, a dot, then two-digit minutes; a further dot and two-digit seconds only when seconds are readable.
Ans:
4.50
